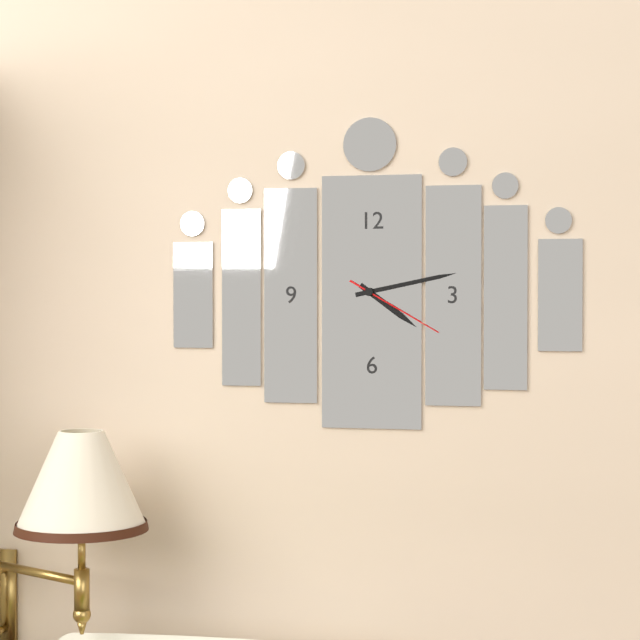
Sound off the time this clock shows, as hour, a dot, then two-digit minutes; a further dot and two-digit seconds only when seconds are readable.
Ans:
4.13.20
